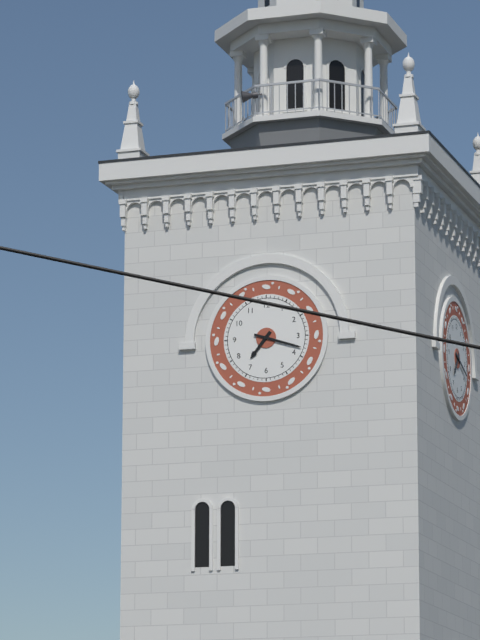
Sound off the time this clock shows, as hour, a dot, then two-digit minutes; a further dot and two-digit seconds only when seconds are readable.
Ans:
7.18
